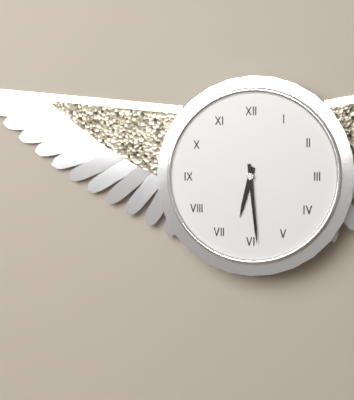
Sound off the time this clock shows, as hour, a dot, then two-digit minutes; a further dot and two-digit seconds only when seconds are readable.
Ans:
6.29
